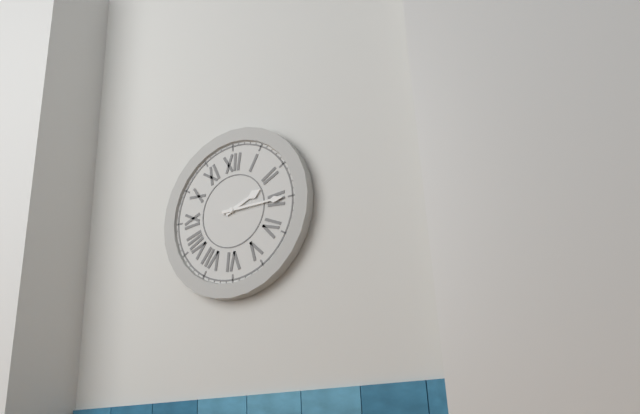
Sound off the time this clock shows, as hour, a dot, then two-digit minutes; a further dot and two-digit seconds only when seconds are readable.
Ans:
2.15
